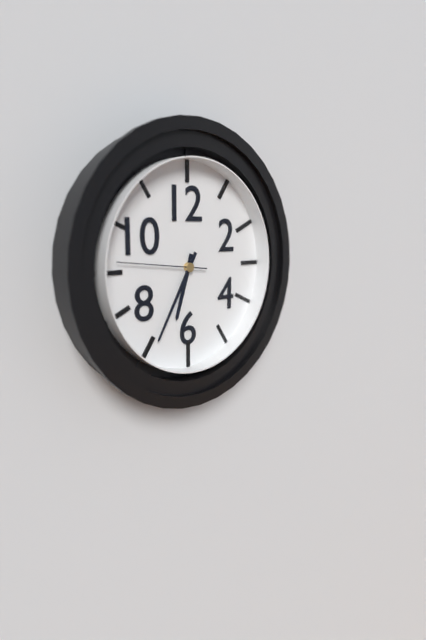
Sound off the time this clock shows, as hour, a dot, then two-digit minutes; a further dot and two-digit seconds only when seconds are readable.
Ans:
6.35.46
